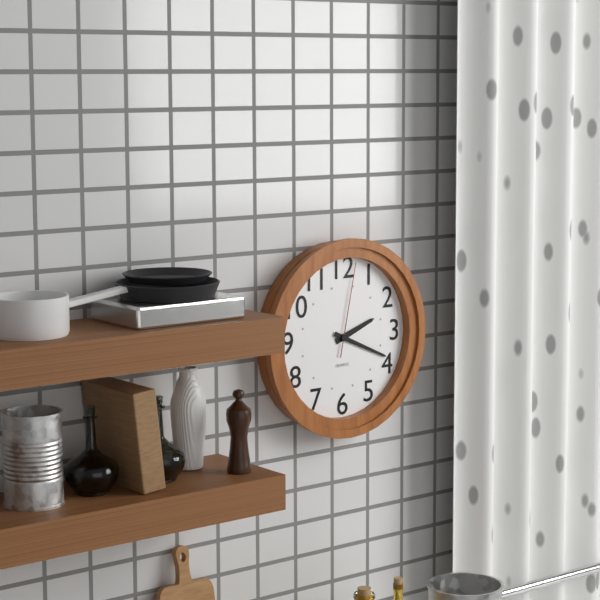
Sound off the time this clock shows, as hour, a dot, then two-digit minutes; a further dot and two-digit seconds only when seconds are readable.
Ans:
2.19.02
